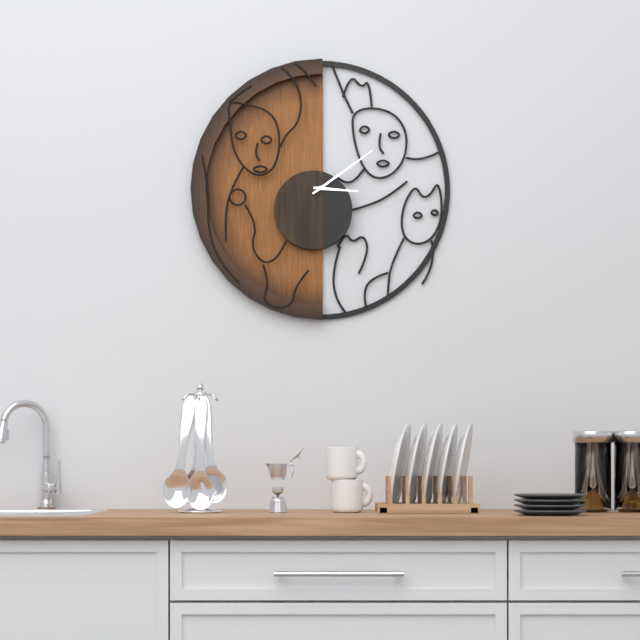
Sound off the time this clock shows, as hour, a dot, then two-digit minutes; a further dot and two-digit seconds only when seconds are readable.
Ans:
3.09
